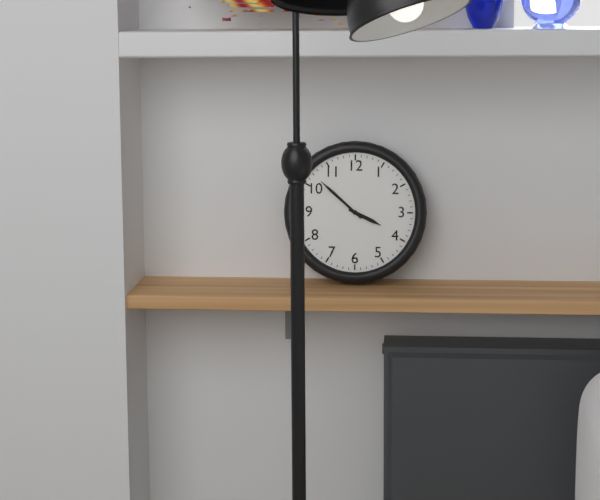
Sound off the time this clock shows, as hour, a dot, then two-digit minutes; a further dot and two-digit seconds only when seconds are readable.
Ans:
3.52
